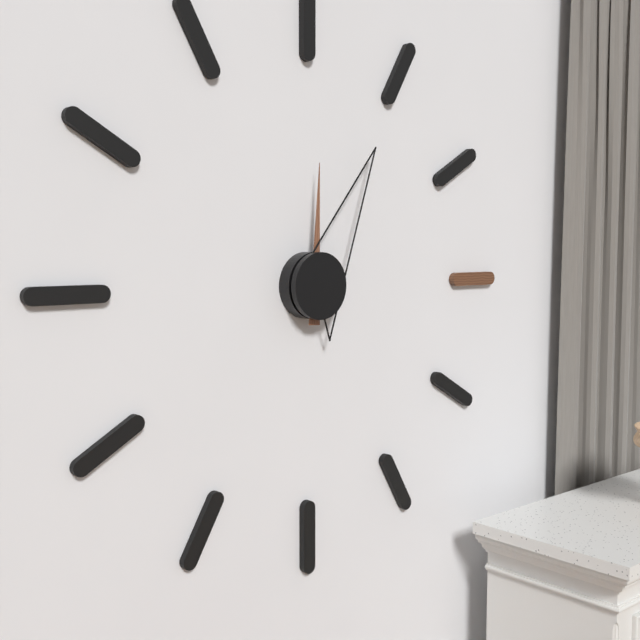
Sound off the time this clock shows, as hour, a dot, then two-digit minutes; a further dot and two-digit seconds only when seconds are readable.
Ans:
12.05
